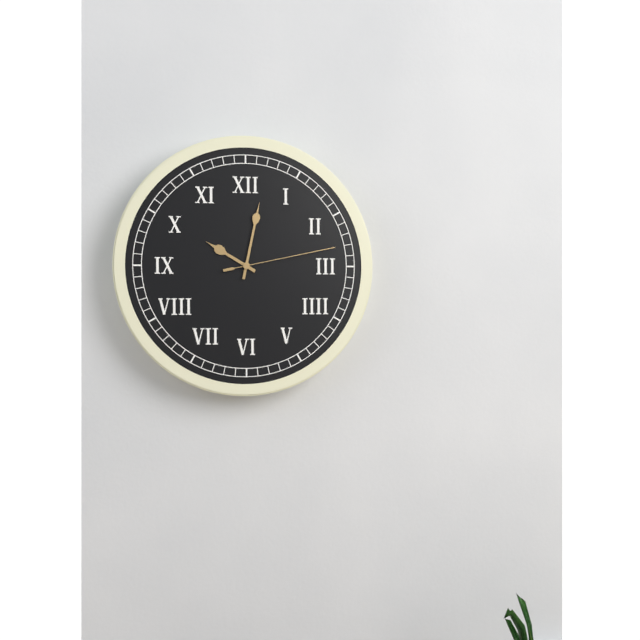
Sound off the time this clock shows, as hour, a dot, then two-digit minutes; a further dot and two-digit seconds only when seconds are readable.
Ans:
10.02.13
